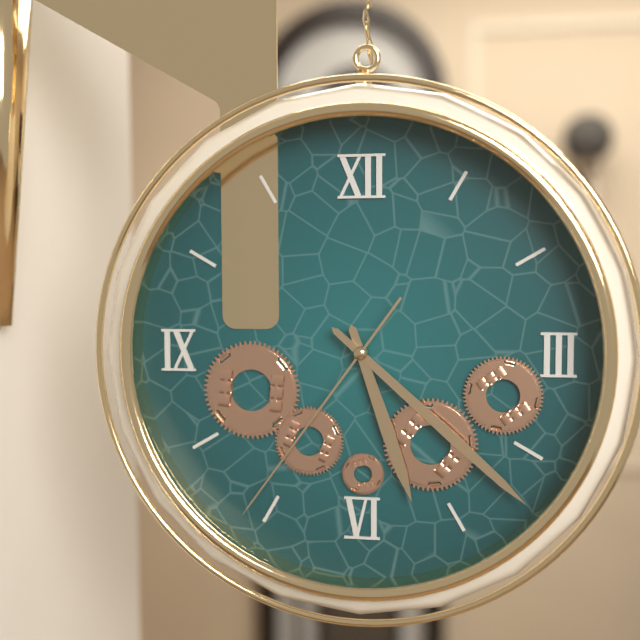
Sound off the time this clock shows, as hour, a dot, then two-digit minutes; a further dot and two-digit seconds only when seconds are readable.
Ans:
5.22.36
